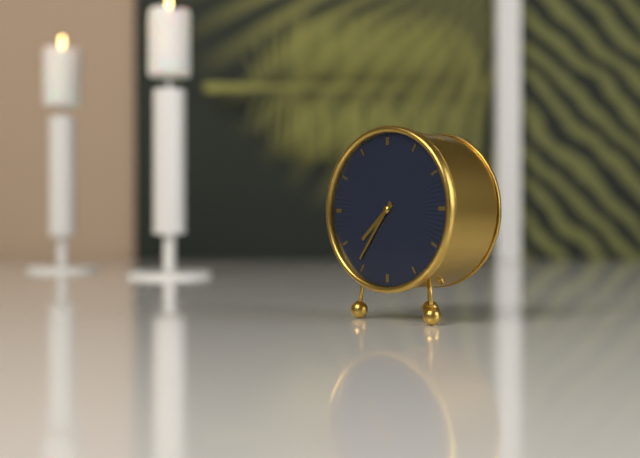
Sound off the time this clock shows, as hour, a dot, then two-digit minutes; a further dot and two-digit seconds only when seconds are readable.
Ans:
7.36
